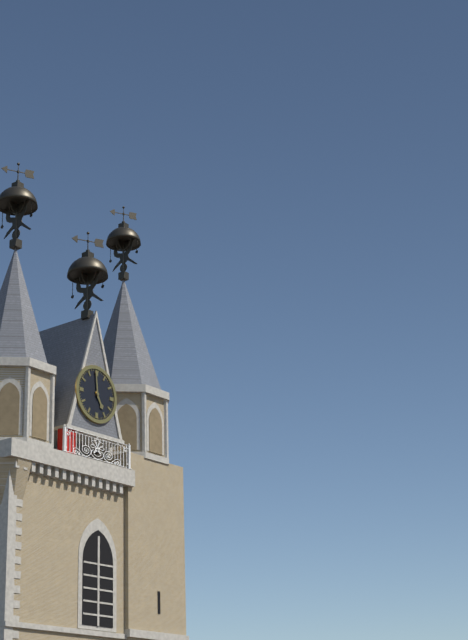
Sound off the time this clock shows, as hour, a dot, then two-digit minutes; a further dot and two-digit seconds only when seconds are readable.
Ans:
4.59
